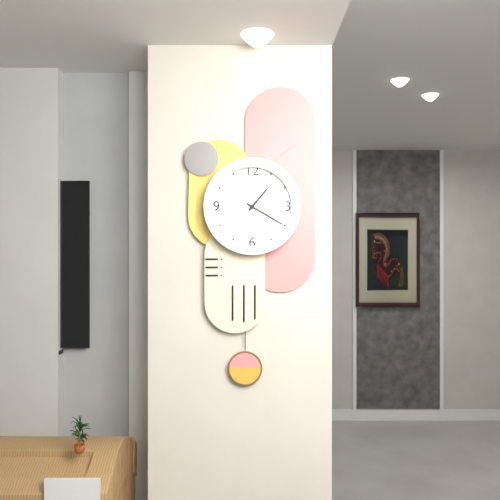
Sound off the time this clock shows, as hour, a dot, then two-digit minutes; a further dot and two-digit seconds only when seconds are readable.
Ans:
1.20
